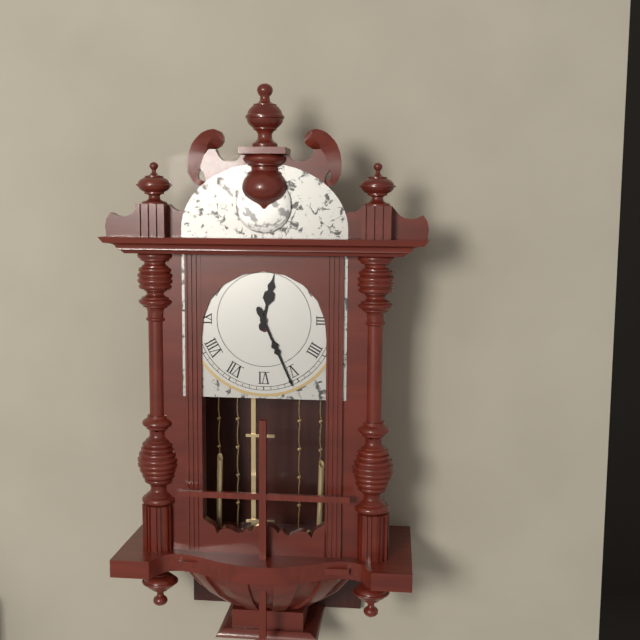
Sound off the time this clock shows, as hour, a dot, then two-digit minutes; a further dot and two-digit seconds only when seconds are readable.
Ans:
12.26
